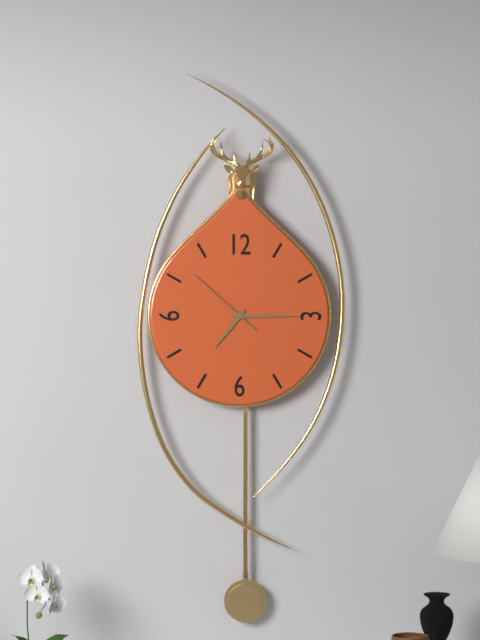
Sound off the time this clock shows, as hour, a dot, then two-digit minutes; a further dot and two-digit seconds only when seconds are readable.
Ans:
7.15.52
